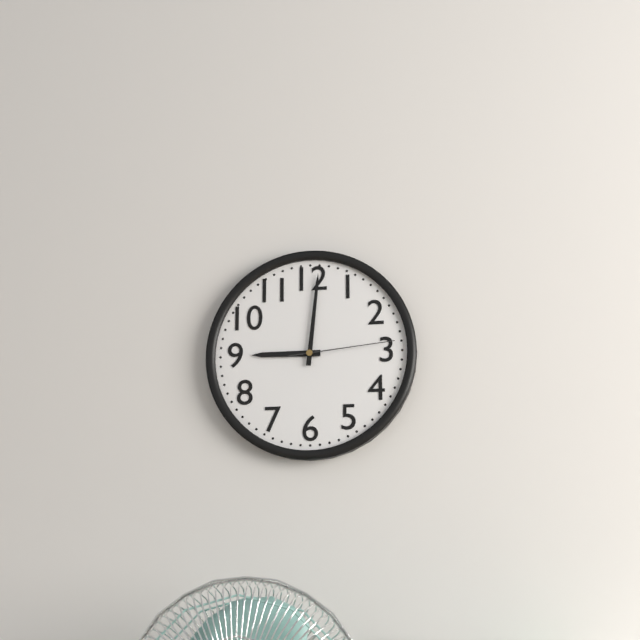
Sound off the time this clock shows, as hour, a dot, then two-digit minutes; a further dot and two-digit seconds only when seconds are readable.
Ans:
9.01.14
